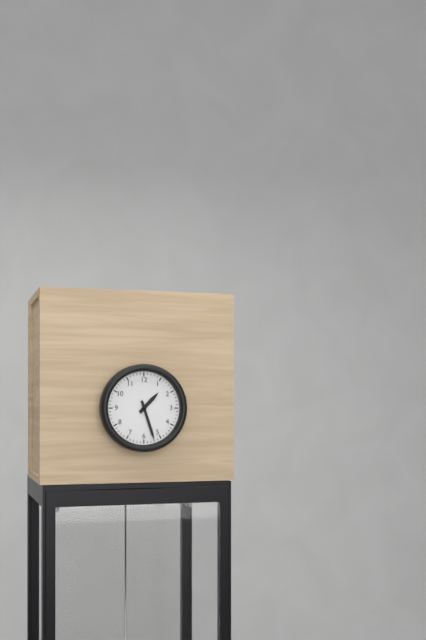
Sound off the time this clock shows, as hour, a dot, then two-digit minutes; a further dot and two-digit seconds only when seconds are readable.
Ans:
1.27
